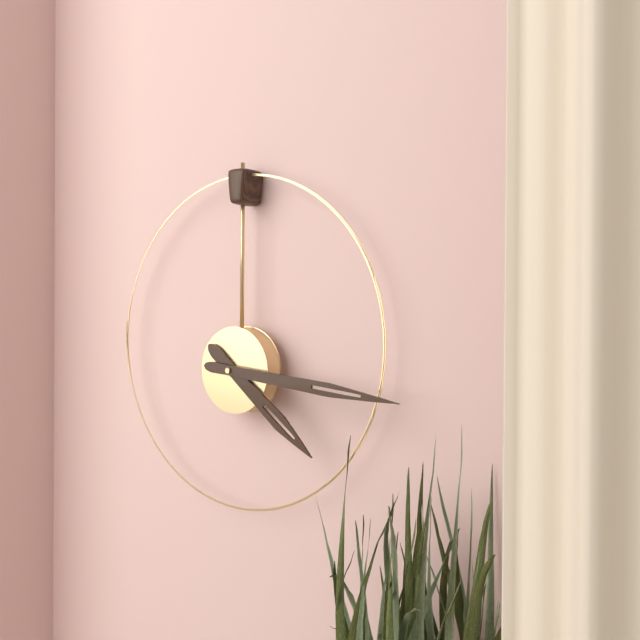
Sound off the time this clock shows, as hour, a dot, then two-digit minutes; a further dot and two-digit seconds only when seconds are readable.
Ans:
4.16
